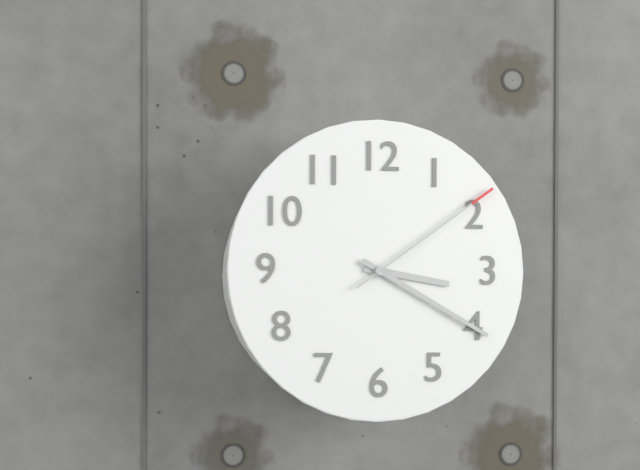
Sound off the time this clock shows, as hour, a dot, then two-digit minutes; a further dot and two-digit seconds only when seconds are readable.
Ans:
3.20.09
